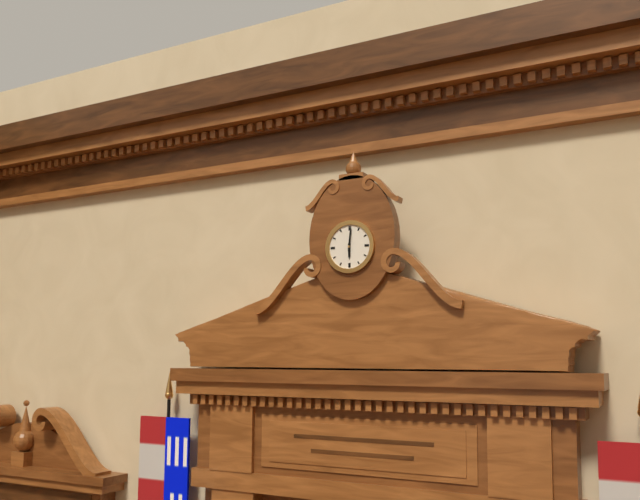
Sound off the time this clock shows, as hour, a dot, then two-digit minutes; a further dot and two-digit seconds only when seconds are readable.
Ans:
6.01
